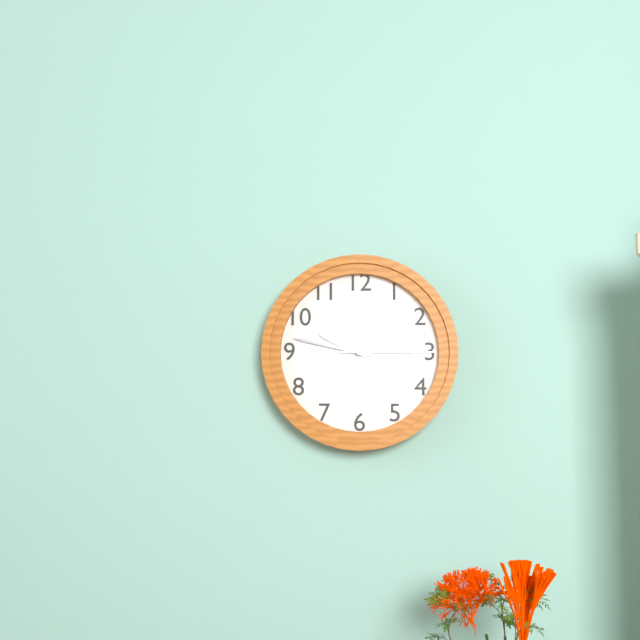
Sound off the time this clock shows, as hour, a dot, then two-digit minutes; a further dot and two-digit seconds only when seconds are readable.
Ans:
9.47.15
